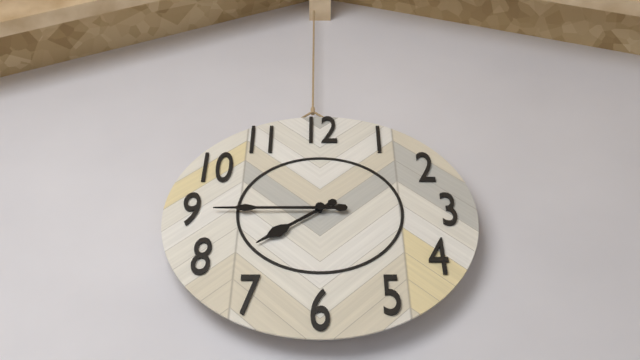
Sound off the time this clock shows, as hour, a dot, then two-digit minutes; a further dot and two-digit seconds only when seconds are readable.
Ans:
7.45
